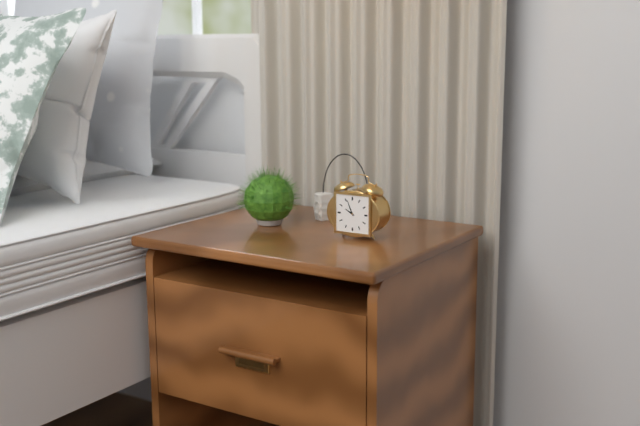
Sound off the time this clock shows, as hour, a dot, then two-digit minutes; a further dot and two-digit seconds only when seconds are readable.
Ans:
9.56
